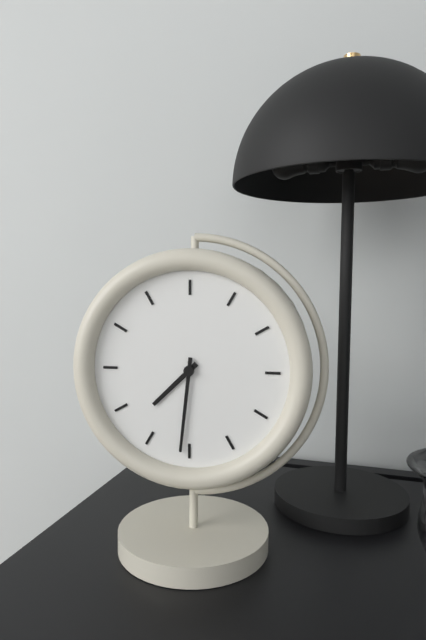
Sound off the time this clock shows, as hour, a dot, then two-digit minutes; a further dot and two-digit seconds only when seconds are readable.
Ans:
7.31
